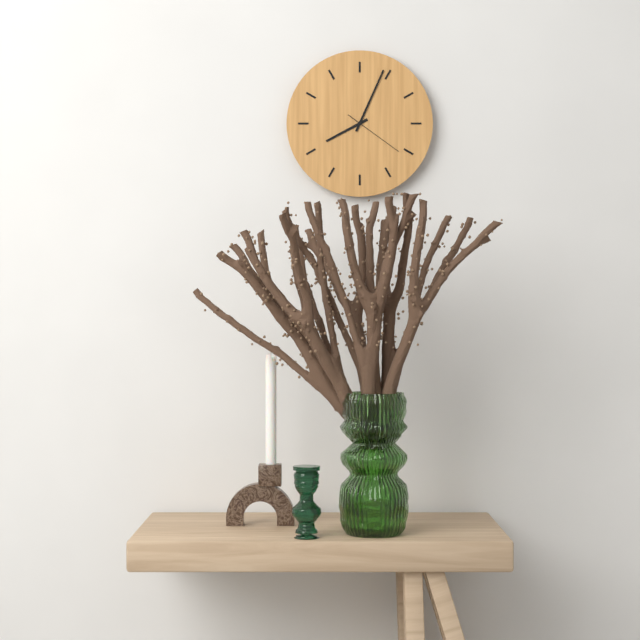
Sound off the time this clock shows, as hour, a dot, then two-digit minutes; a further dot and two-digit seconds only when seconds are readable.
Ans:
8.04.21
